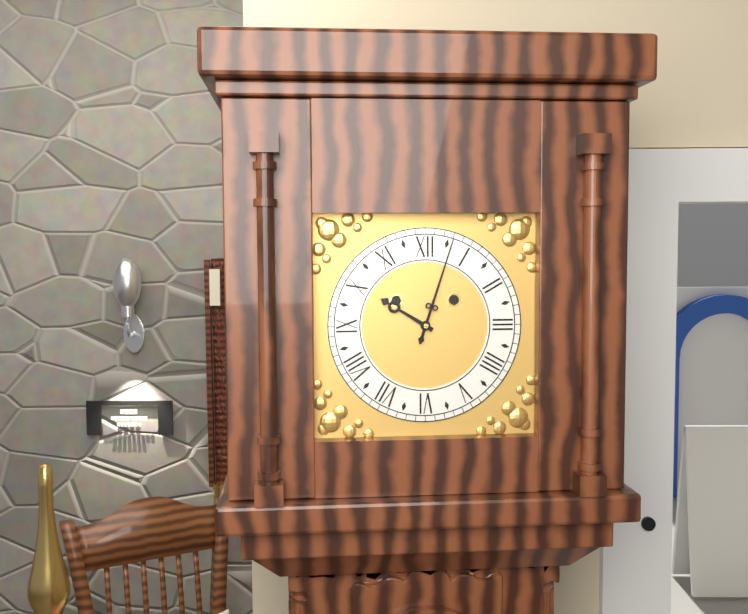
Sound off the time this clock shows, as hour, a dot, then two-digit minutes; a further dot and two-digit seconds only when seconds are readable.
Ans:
10.03
